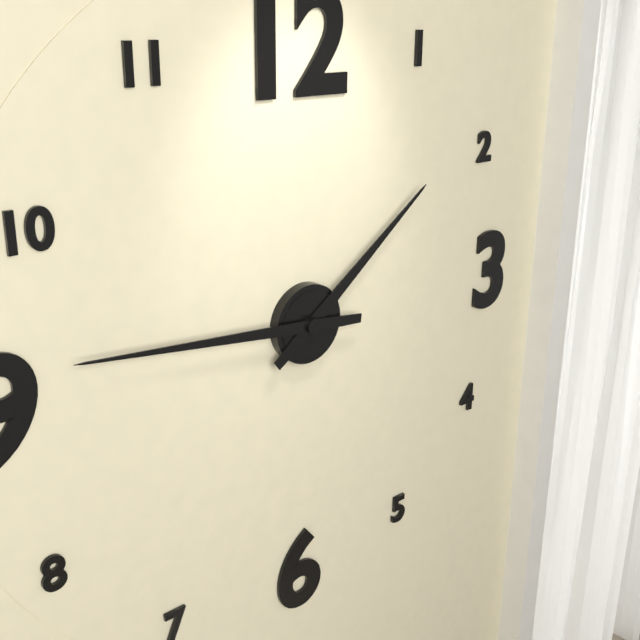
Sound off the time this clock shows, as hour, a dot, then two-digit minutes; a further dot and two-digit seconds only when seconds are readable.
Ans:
1.46
